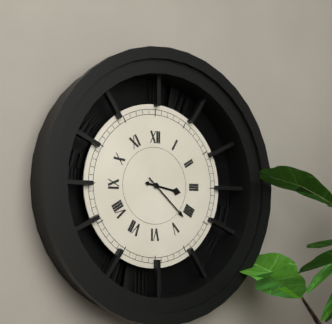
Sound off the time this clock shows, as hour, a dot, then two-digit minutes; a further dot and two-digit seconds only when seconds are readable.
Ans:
3.22
